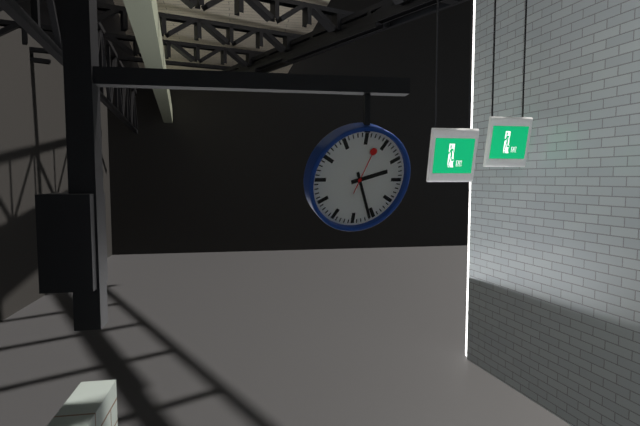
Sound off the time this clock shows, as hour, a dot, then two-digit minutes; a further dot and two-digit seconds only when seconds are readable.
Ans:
2.26
